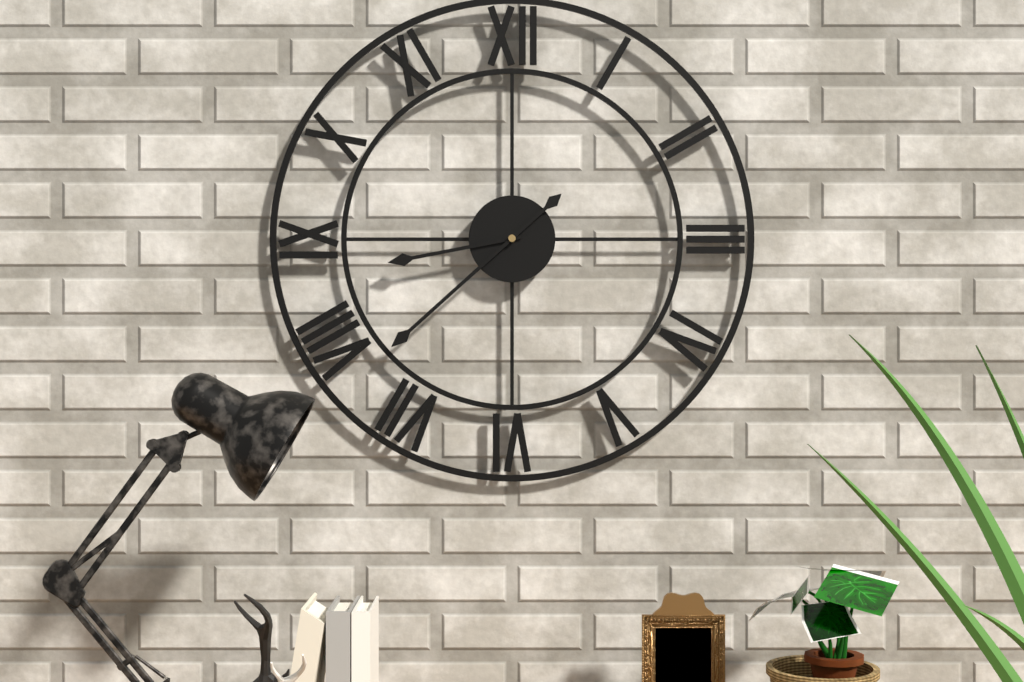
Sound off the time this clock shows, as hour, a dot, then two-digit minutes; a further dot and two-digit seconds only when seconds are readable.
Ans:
8.38
